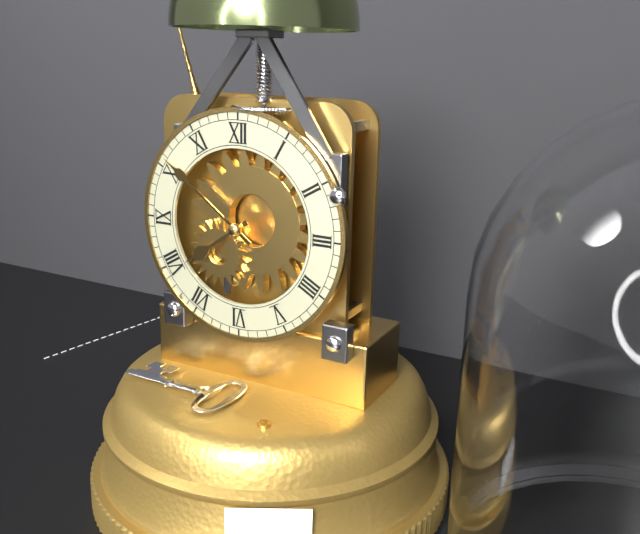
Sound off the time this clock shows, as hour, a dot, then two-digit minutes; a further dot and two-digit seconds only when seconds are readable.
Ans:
7.51
